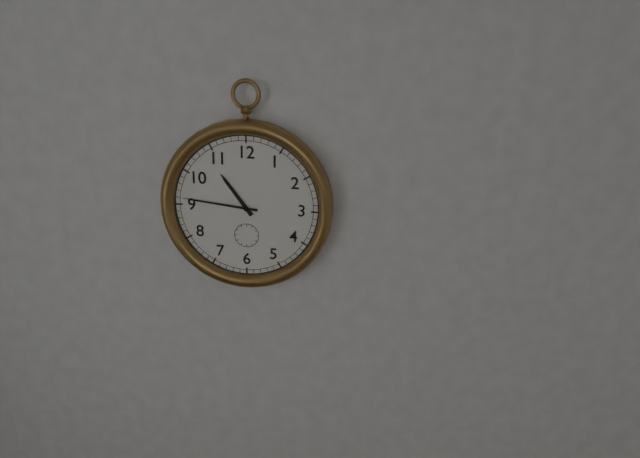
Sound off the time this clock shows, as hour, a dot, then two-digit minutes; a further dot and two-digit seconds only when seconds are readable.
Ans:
10.46
